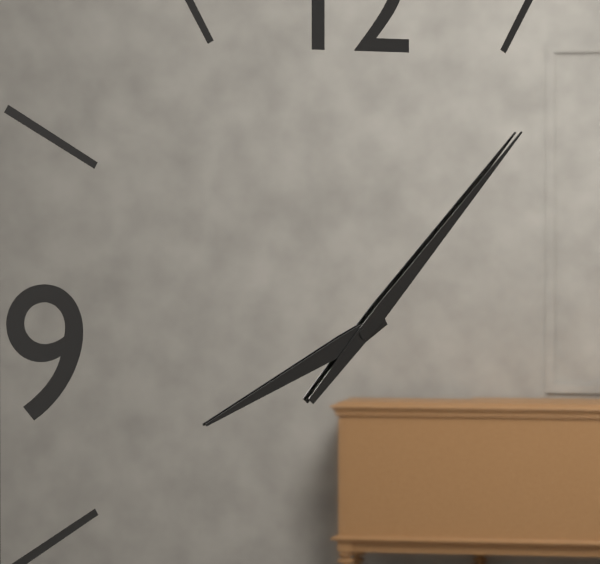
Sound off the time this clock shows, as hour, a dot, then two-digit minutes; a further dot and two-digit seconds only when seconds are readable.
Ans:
8.07
